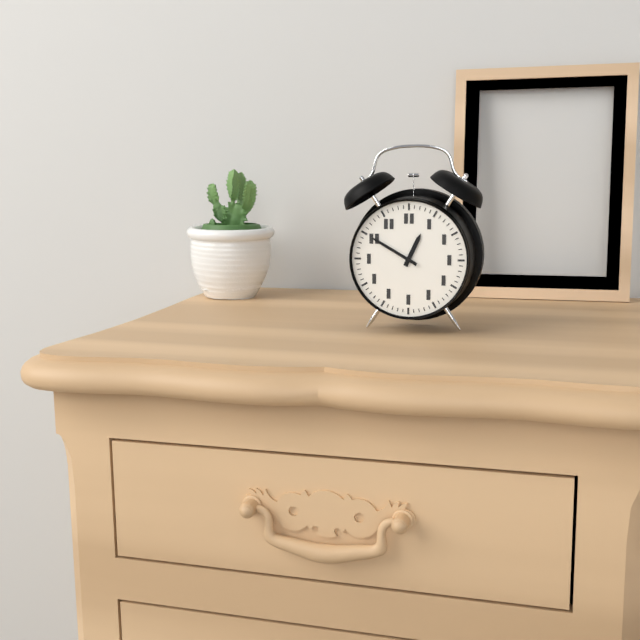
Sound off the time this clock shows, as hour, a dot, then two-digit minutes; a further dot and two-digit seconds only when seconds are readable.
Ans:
12.50
